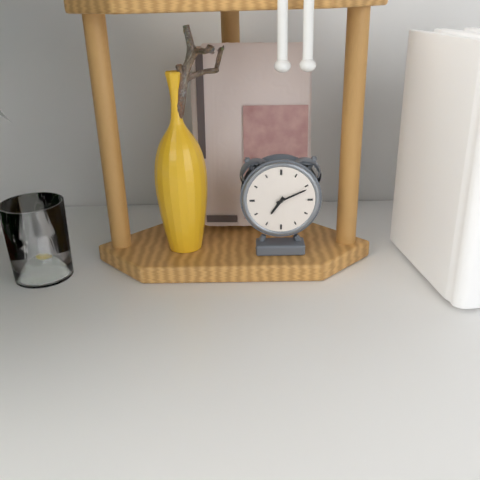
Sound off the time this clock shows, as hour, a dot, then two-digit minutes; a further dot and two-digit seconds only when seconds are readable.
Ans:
7.11
